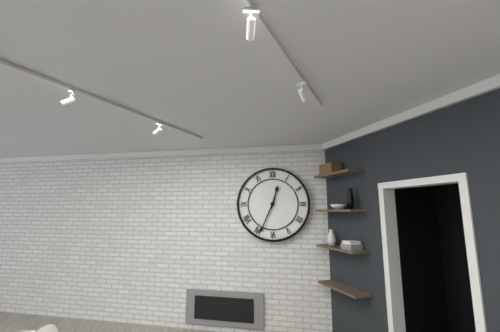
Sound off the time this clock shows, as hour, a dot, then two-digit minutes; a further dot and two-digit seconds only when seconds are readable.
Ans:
12.34
